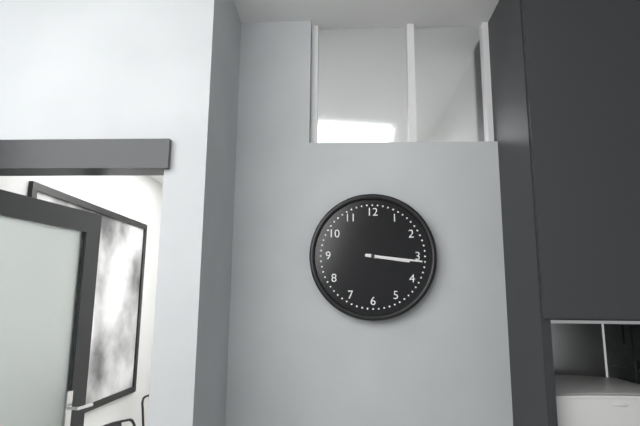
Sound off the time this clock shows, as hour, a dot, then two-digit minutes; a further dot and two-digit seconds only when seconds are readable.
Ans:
3.16
